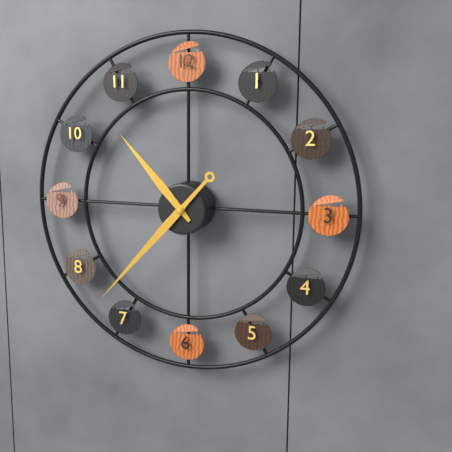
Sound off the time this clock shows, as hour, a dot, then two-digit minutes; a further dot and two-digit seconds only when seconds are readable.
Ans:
10.37
